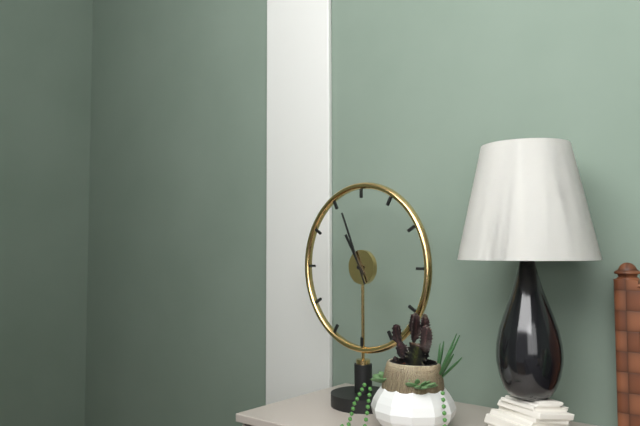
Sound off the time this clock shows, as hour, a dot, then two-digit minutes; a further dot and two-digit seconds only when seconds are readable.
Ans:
10.56
